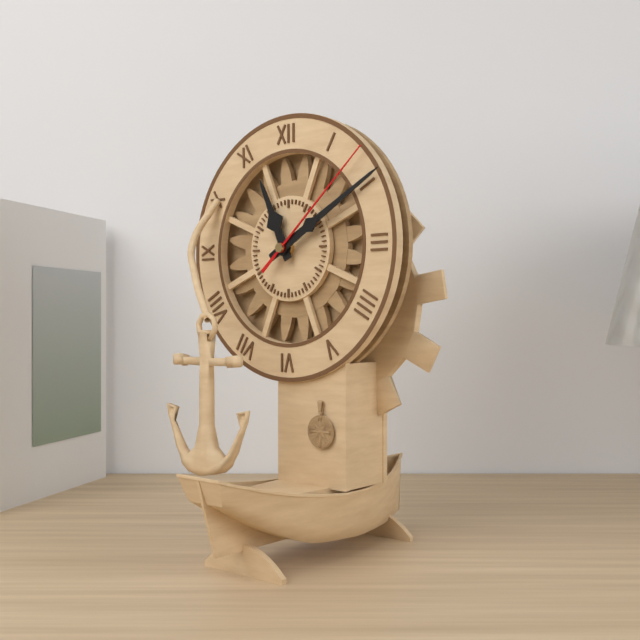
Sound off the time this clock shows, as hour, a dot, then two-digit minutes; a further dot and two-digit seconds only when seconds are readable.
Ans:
11.10.08
